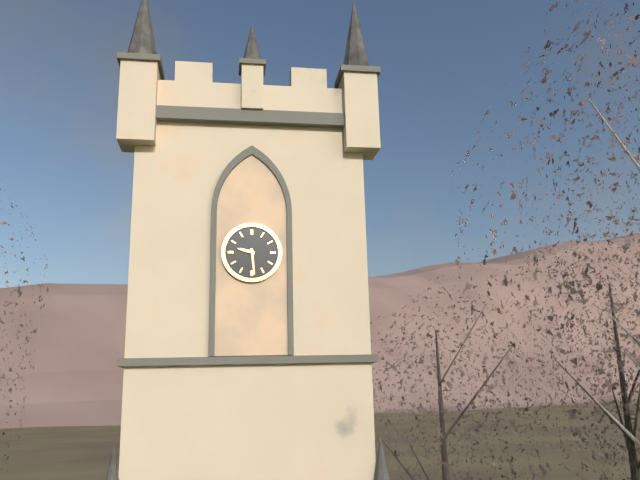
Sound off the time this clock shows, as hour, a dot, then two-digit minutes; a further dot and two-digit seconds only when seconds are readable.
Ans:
9.29
